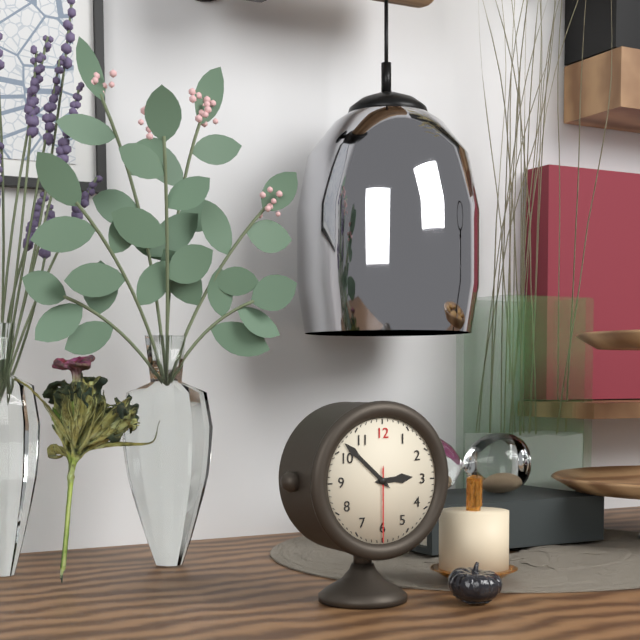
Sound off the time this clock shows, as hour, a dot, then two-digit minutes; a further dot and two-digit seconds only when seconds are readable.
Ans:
2.52.30
